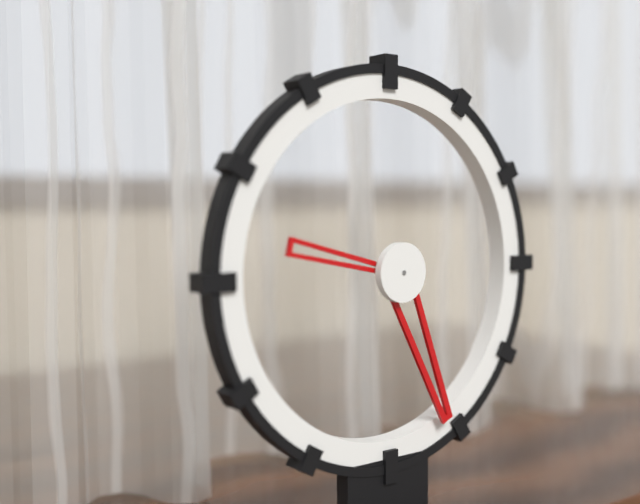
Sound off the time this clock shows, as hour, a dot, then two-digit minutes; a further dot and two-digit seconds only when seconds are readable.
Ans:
9.26
